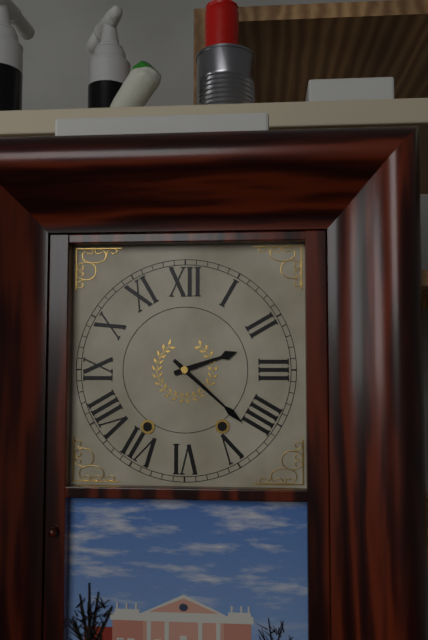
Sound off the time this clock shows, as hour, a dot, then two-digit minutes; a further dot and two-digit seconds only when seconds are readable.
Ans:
2.22
